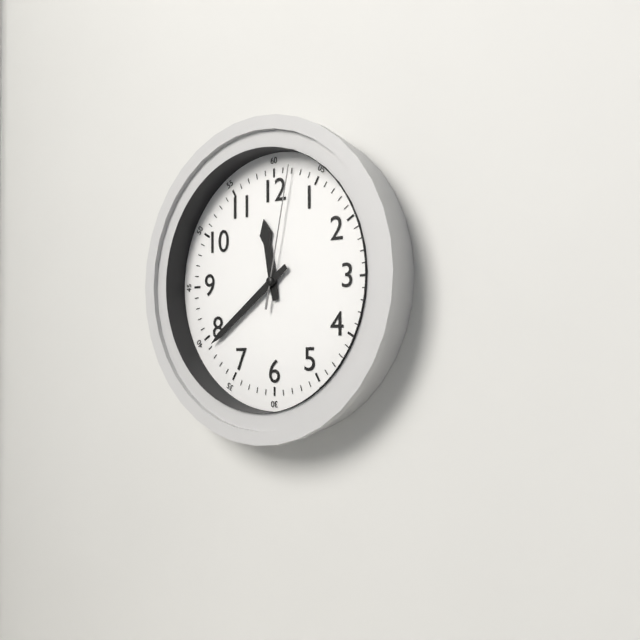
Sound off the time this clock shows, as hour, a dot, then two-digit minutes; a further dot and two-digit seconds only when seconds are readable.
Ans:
11.39.02
